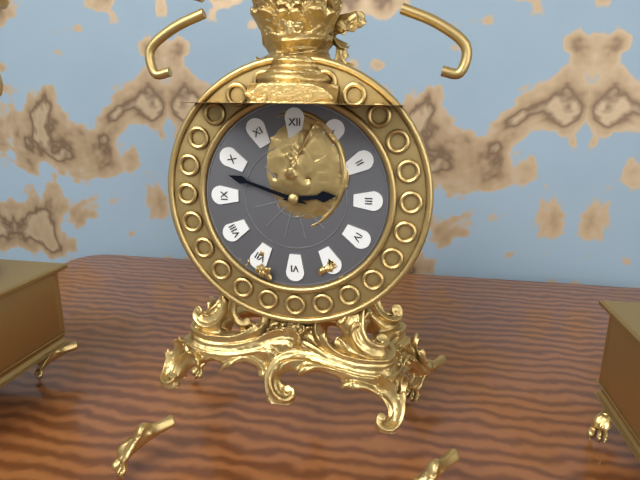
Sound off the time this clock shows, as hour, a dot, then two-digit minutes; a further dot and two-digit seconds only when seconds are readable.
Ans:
2.48
